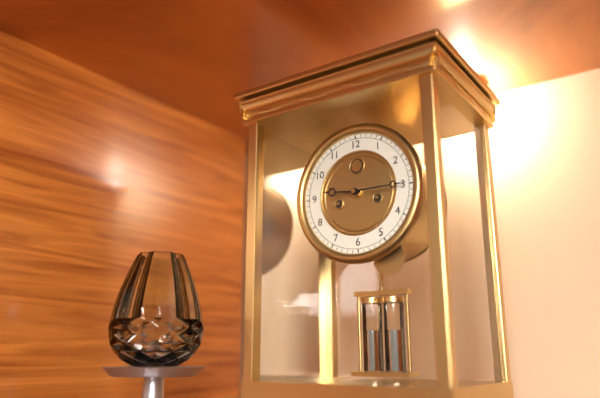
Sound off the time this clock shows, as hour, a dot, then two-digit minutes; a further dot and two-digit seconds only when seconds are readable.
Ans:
9.15
